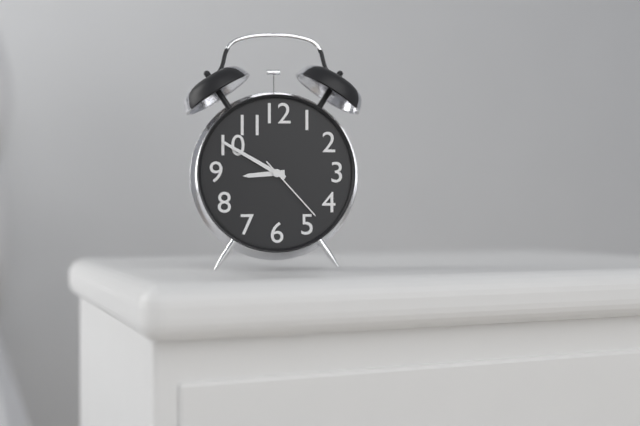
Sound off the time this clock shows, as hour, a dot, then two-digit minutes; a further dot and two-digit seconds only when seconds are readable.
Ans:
8.50.23
